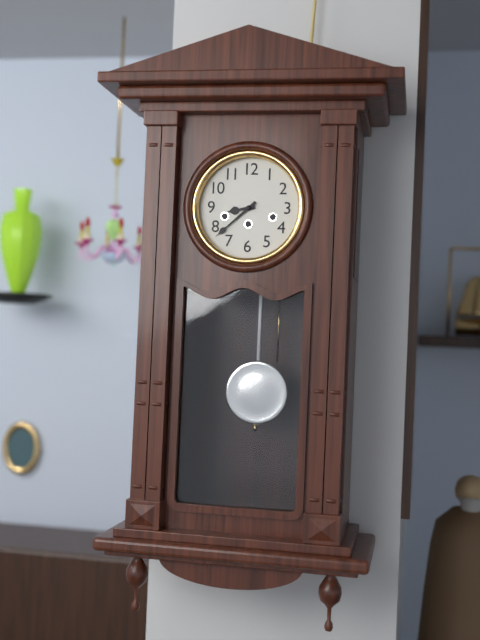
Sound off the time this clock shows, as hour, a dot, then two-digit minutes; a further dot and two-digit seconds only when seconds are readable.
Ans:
8.38
